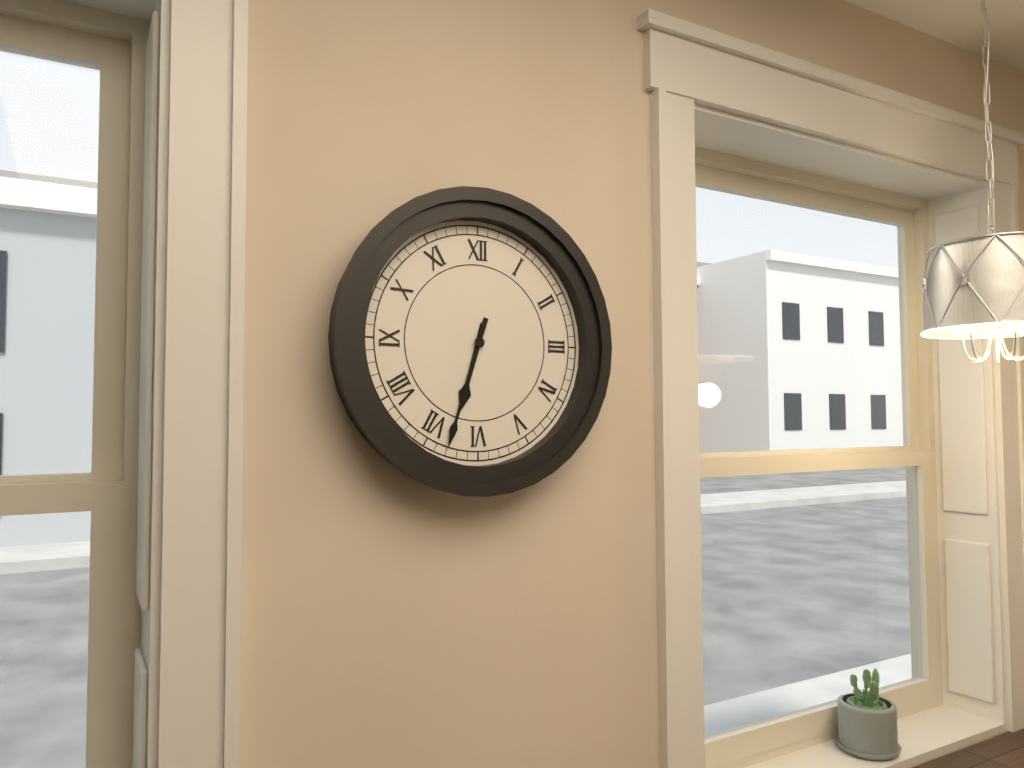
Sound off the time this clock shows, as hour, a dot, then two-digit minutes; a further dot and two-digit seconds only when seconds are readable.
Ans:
6.33
